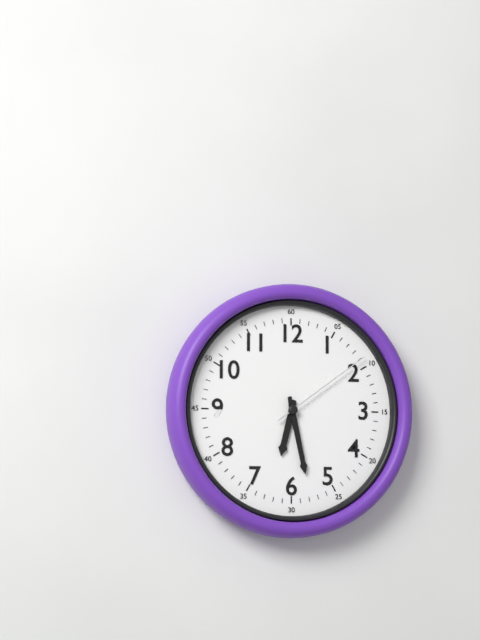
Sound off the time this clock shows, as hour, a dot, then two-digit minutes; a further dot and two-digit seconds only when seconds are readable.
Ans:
6.28.09
